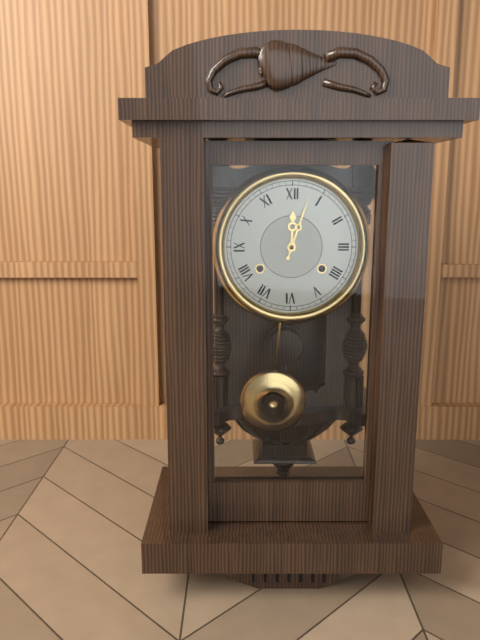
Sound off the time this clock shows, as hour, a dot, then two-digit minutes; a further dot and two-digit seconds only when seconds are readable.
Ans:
12.03
